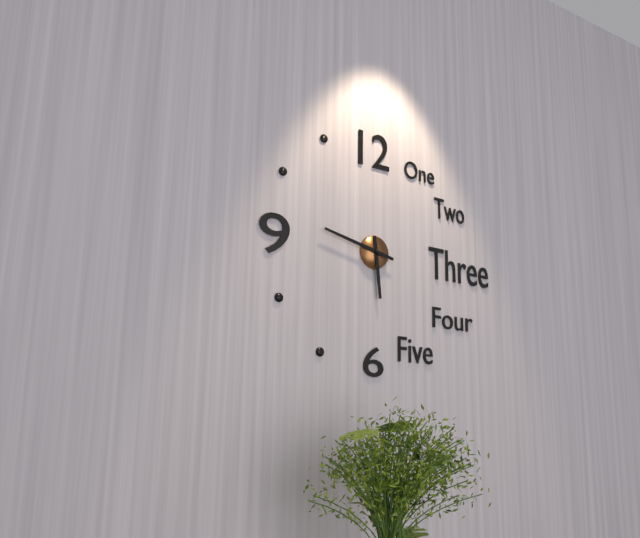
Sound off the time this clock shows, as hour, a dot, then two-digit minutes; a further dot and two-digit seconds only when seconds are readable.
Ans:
5.47
